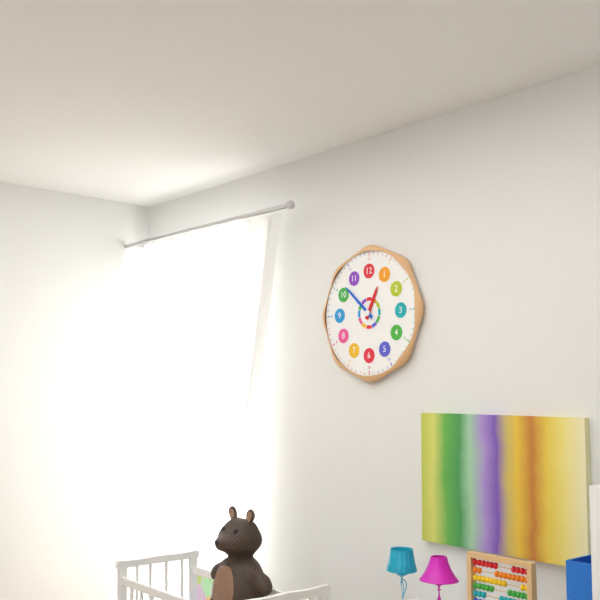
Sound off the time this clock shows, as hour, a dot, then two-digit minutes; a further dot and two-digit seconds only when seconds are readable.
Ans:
12.52
